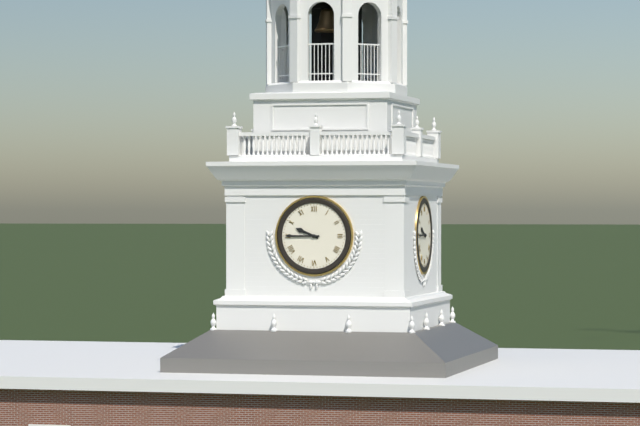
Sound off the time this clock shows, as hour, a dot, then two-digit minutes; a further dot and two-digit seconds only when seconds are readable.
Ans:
9.45
